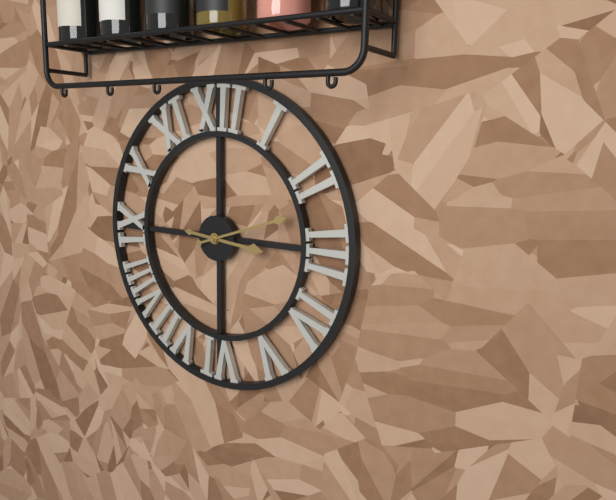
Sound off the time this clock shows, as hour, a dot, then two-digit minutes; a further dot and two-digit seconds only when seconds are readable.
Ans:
3.12
